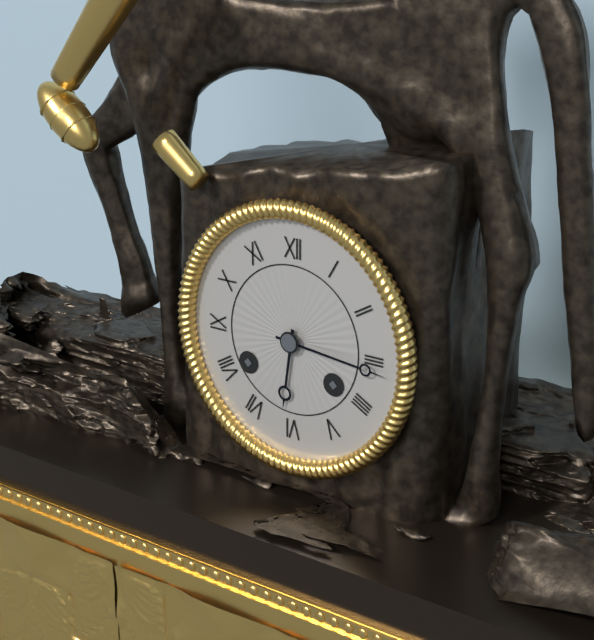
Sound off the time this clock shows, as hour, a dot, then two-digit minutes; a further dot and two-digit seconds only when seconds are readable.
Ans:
6.16
